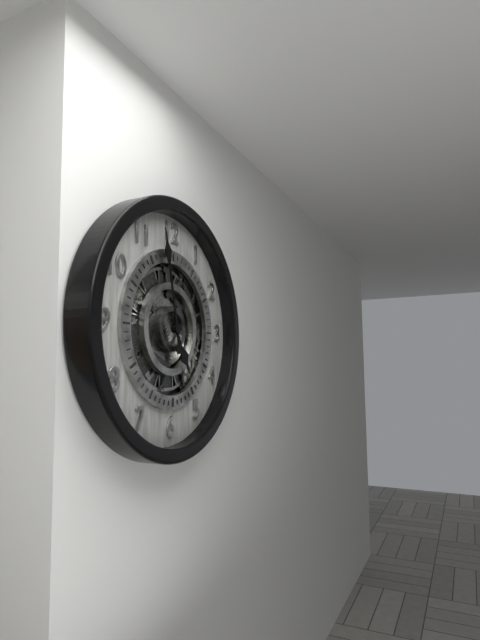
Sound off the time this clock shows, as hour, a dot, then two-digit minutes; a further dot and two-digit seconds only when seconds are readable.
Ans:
4.58
